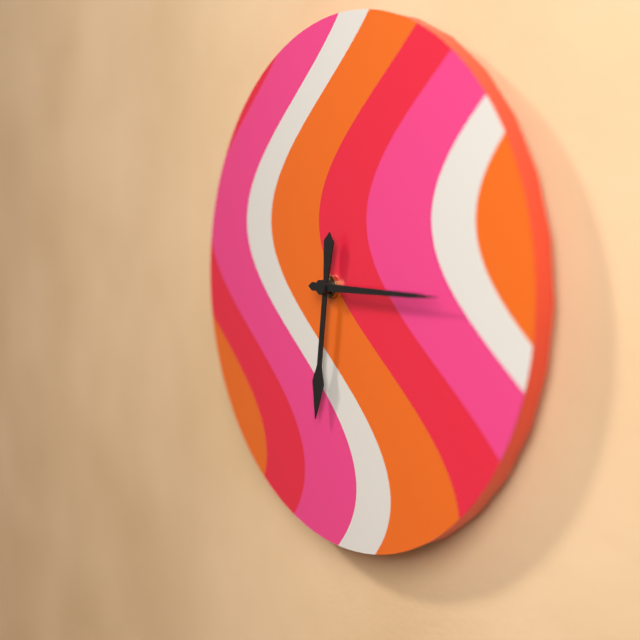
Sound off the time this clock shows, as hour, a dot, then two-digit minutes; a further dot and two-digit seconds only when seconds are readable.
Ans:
6.15
